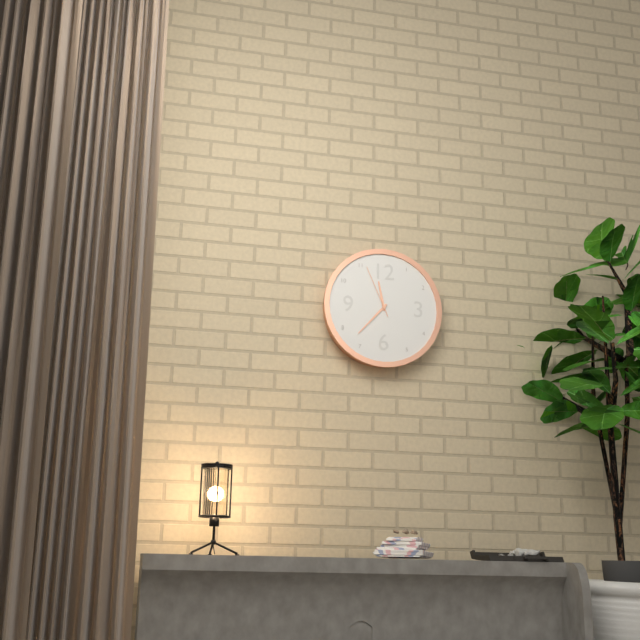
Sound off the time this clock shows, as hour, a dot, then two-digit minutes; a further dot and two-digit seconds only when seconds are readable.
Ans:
11.37.56
